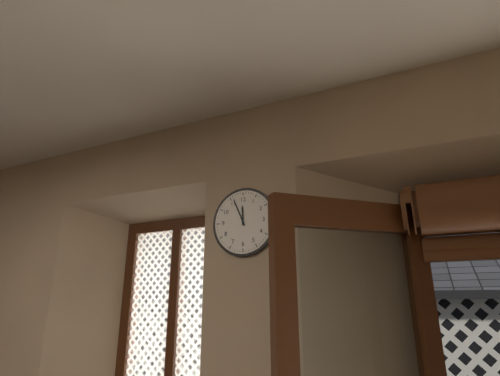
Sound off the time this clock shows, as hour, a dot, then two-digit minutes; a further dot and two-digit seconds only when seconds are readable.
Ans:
11.56
